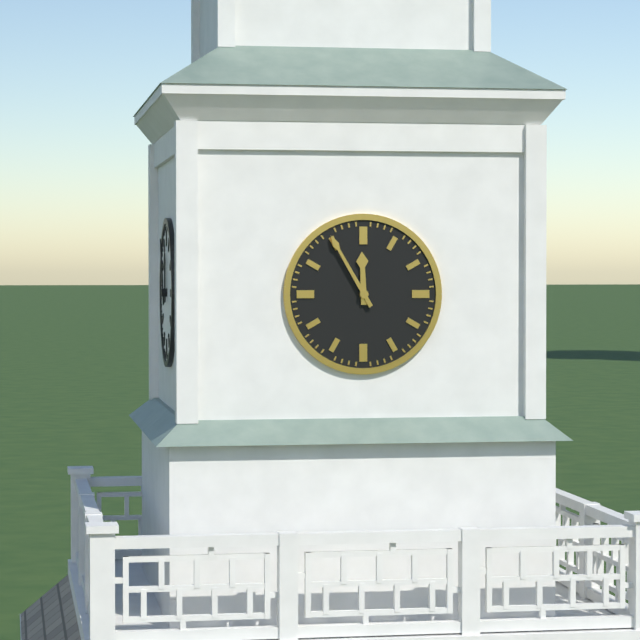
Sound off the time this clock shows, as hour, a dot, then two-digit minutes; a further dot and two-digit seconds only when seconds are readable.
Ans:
11.55
